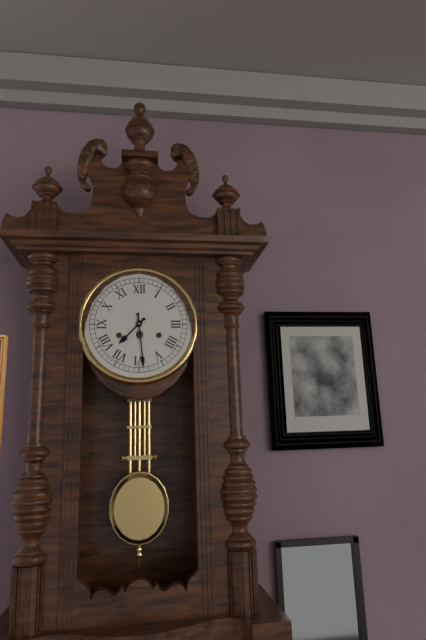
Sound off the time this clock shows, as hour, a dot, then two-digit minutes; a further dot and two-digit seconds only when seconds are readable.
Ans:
7.29
